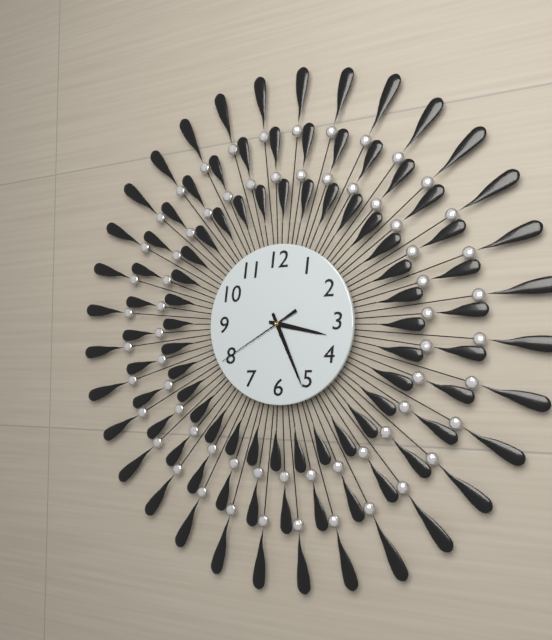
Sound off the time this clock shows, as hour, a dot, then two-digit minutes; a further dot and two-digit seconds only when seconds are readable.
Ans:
3.26.40
